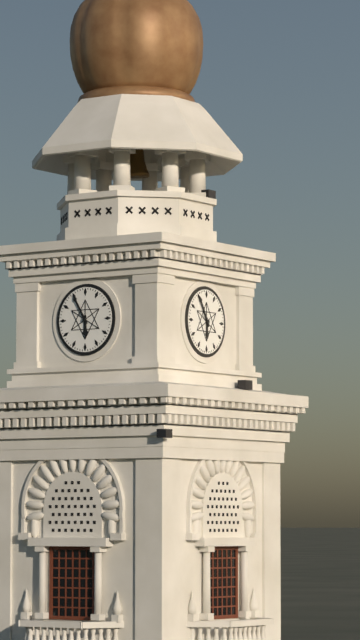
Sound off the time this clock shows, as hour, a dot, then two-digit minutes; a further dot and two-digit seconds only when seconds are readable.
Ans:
5.55
